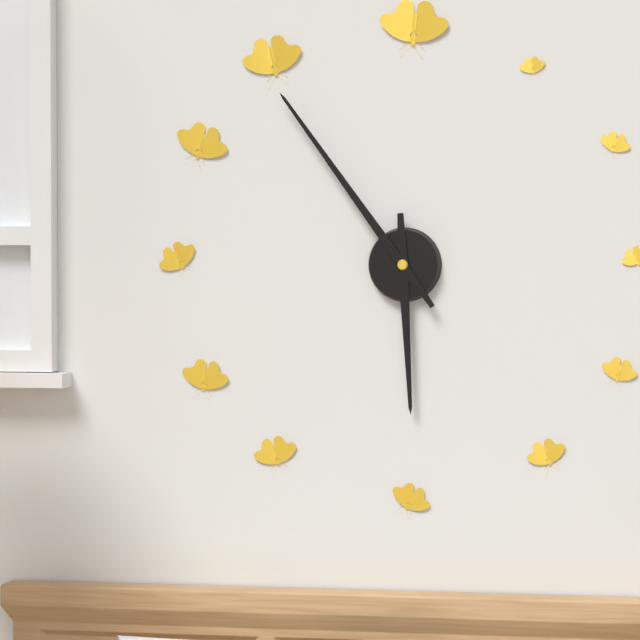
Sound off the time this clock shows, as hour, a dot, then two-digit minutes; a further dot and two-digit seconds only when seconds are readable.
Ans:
5.54
